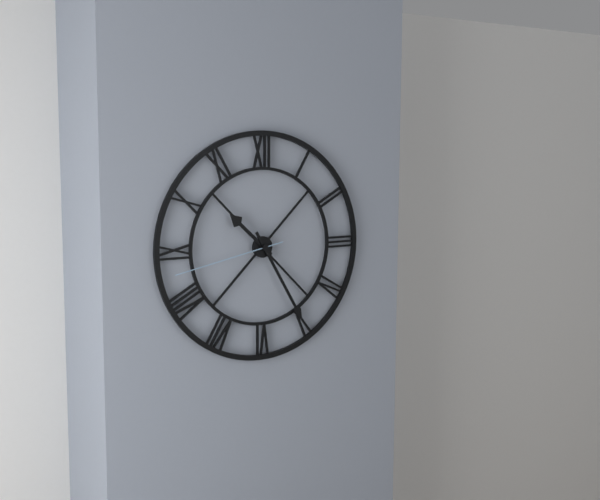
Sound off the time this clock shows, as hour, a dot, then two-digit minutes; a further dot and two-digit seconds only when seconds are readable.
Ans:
10.25.43
